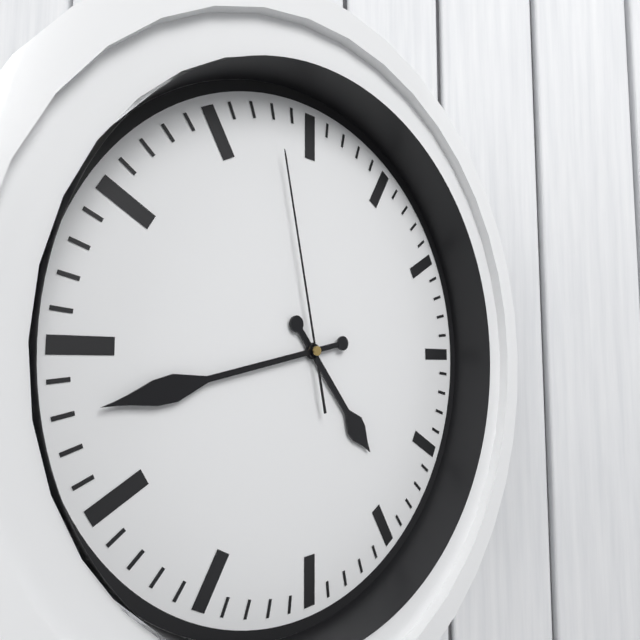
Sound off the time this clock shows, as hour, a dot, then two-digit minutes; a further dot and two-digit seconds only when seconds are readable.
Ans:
4.43.58
